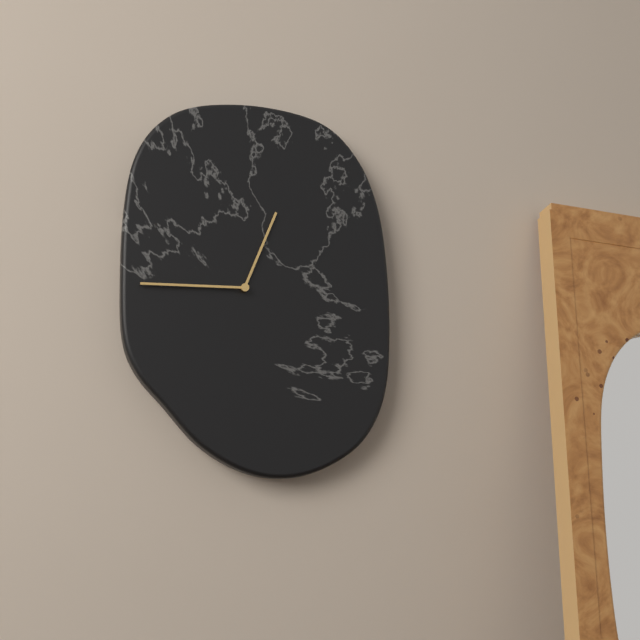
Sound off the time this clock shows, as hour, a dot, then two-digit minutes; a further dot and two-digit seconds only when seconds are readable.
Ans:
12.45
